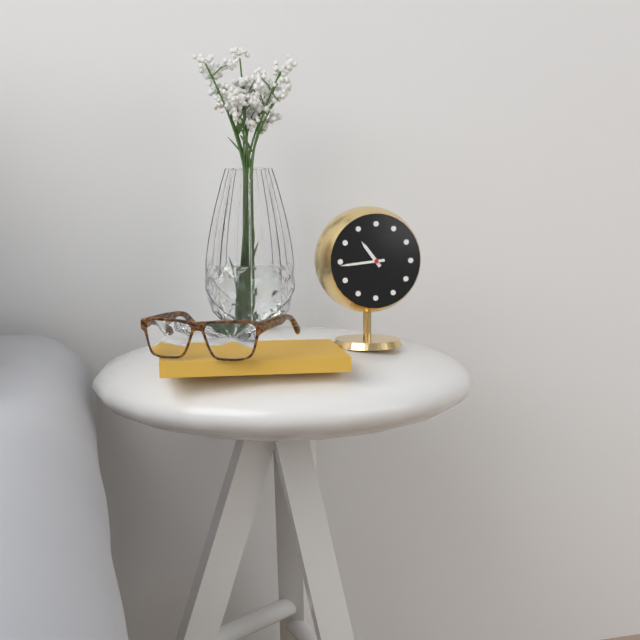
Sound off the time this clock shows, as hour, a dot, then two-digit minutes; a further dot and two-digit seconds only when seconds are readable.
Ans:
10.44
